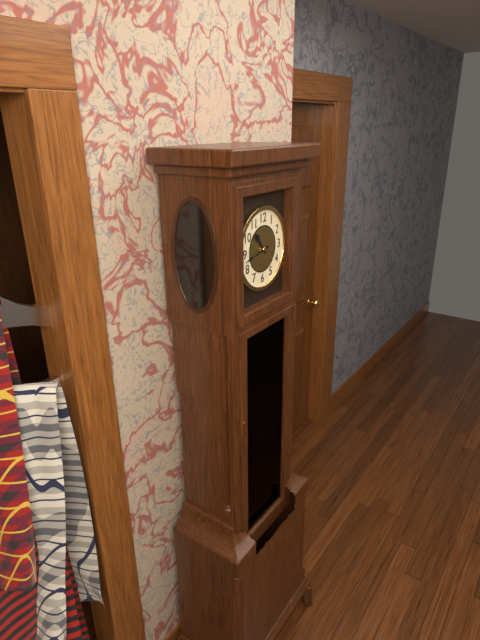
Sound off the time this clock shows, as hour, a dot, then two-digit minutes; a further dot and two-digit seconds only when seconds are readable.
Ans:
10.43
